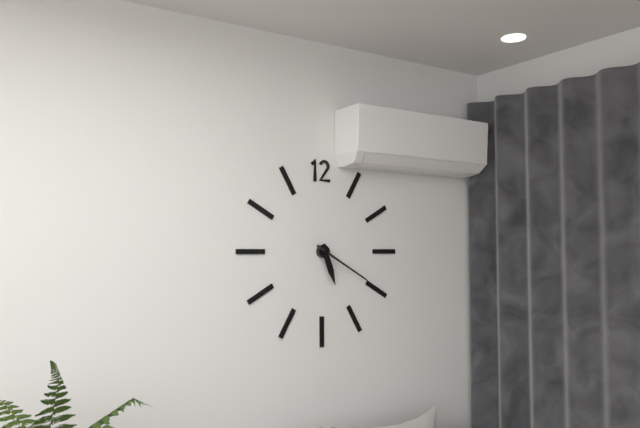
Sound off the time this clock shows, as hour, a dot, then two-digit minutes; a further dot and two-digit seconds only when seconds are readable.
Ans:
5.20
